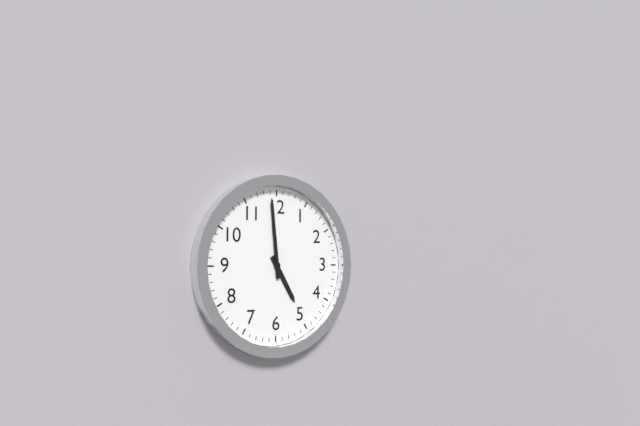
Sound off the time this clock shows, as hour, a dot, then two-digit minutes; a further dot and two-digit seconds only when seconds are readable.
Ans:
4.59
